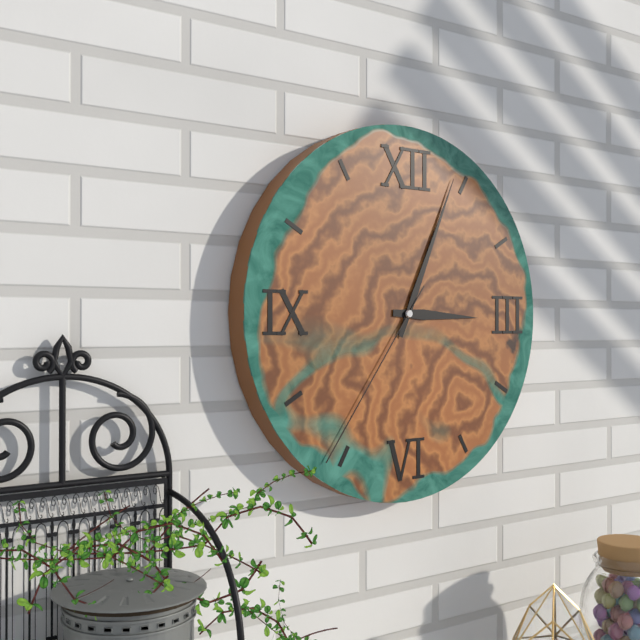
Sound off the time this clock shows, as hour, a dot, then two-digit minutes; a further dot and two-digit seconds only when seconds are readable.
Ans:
3.04.36
